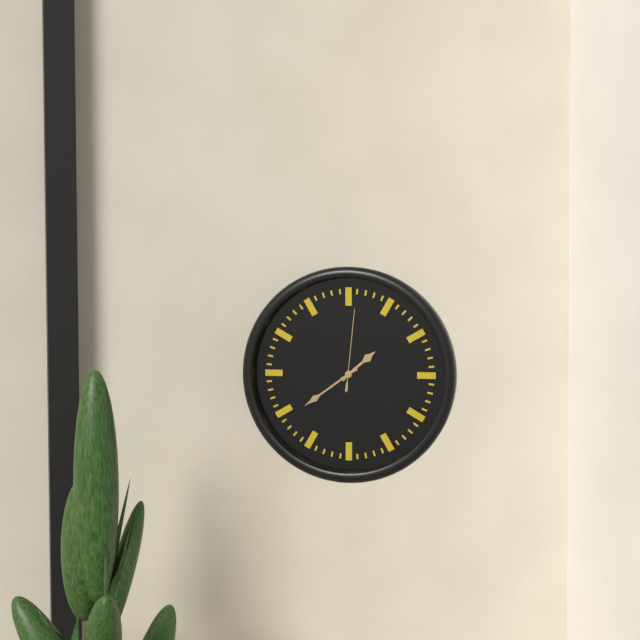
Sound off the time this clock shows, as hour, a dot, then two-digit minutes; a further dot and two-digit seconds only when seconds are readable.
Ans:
1.39.01
